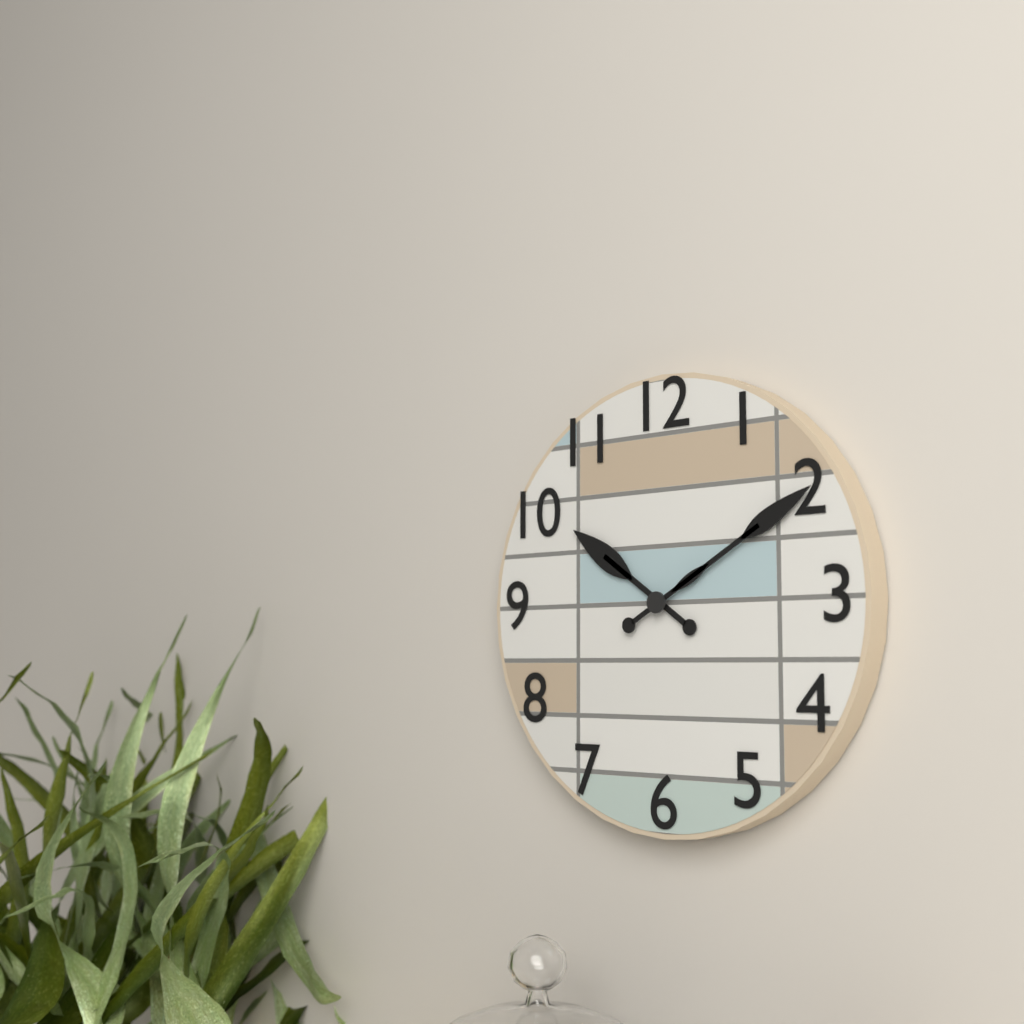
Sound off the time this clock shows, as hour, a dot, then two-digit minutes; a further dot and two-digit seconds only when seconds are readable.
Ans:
10.10
